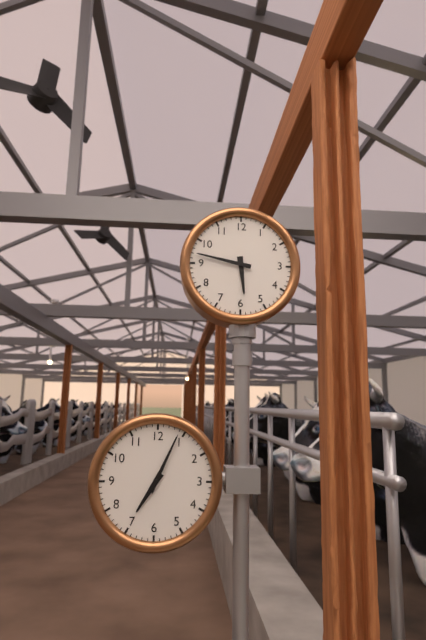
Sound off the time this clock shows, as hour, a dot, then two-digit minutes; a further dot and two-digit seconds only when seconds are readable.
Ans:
5.47
